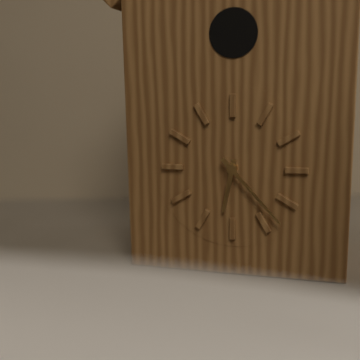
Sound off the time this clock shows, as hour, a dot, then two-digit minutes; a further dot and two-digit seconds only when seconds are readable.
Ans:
6.23
